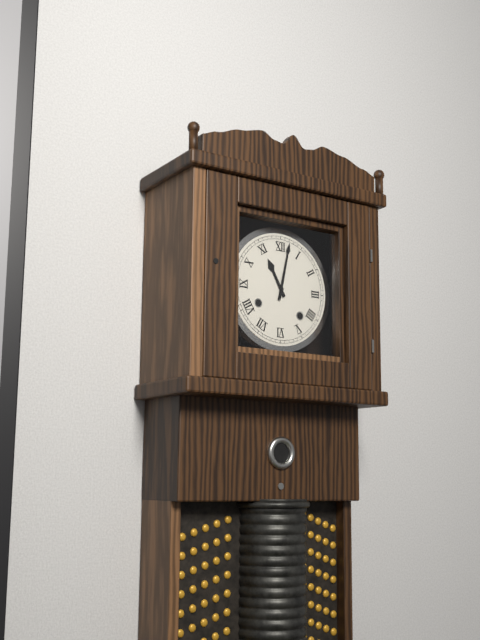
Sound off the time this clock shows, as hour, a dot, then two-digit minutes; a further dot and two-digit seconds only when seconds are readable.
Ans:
11.02
